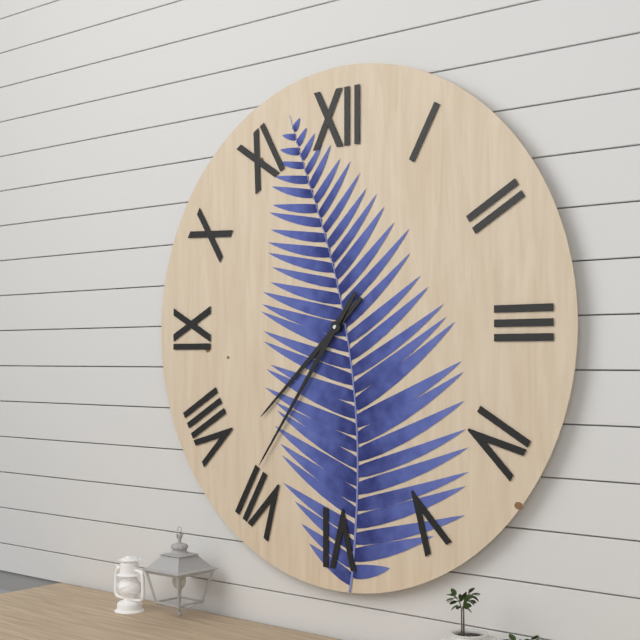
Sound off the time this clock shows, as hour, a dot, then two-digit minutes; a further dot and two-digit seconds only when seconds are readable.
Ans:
7.36
